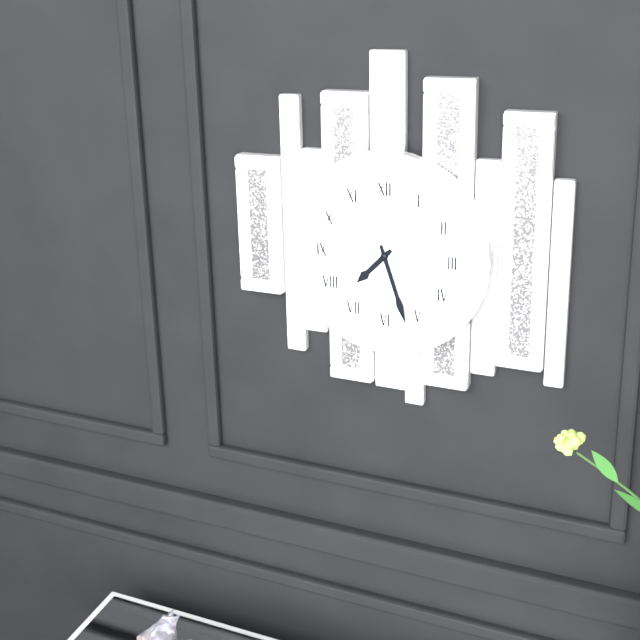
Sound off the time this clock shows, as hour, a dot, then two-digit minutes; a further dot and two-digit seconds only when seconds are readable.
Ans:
7.27
